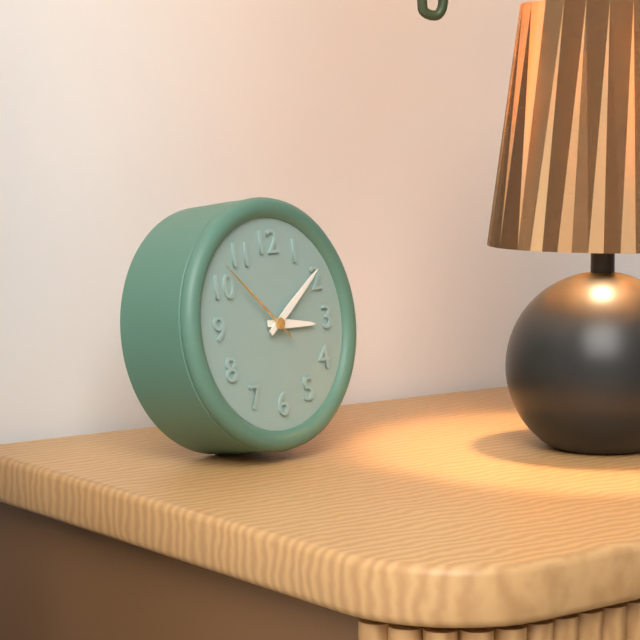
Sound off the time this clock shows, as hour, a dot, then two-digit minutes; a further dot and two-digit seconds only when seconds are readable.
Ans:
3.09.52
